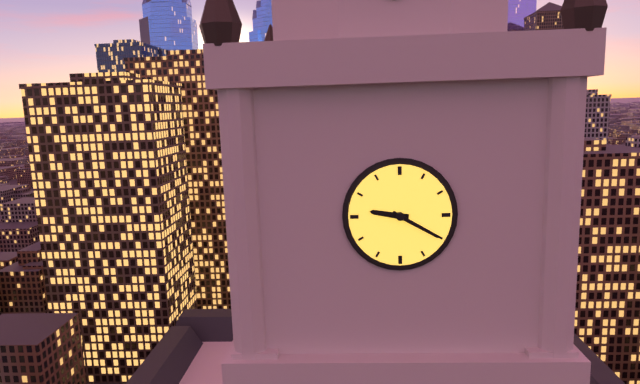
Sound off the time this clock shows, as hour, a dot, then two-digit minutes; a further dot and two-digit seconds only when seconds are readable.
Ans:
9.20
